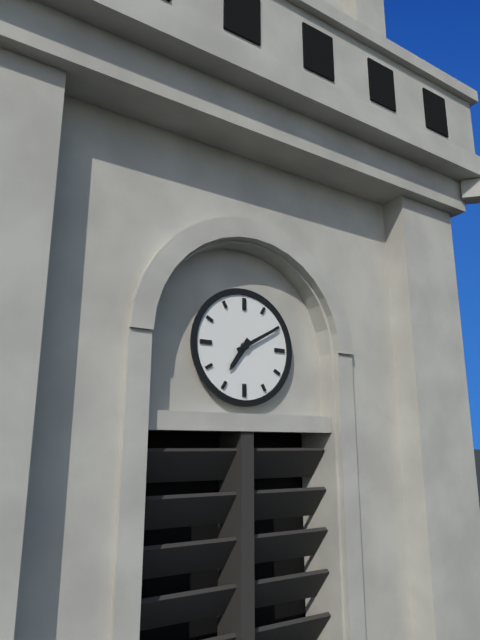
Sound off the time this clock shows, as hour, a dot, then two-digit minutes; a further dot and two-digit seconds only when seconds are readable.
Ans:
7.10
